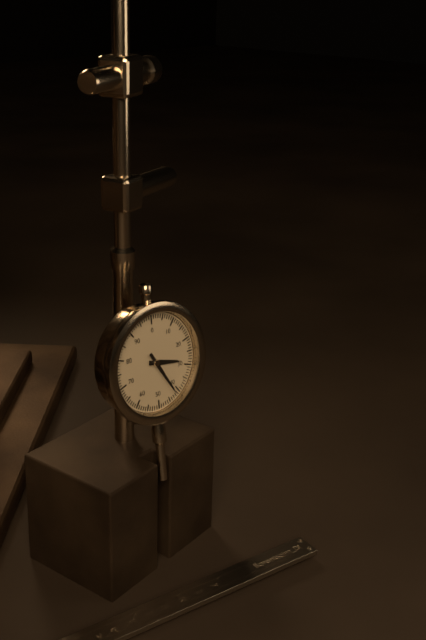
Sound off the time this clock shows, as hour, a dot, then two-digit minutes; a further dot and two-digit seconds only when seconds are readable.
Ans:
3.25
